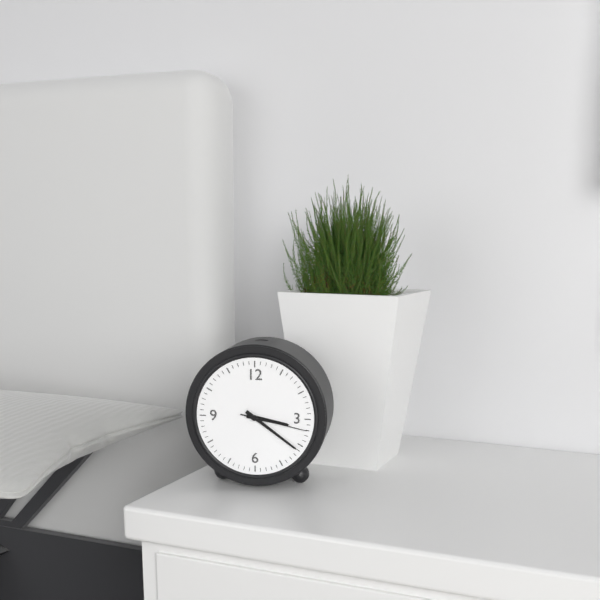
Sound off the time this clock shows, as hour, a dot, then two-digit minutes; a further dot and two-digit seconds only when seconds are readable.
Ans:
3.21.17
